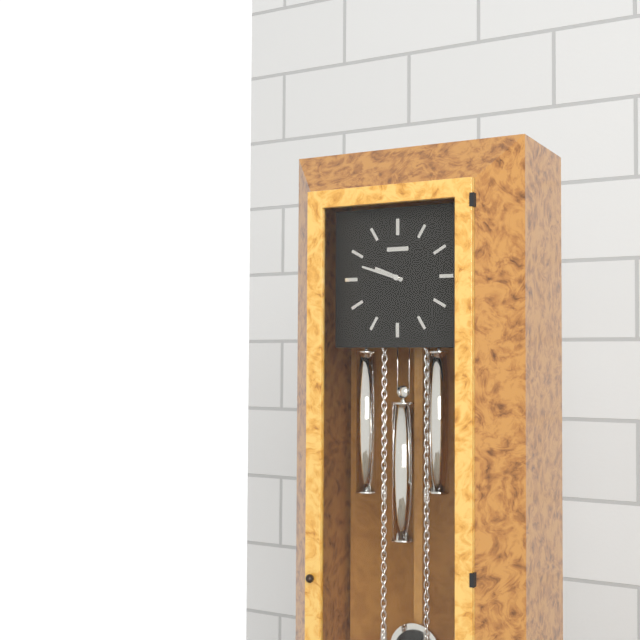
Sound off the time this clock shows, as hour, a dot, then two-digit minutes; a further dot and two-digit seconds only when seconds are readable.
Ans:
9.48
